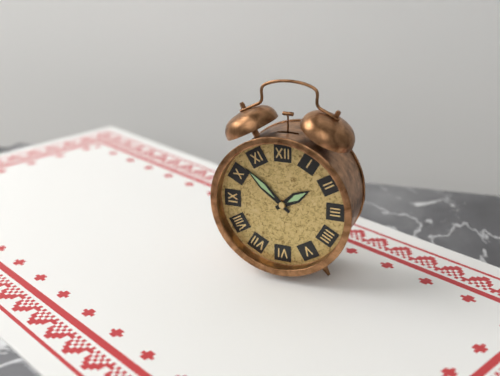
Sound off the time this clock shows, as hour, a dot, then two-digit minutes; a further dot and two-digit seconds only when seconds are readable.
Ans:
1.52
